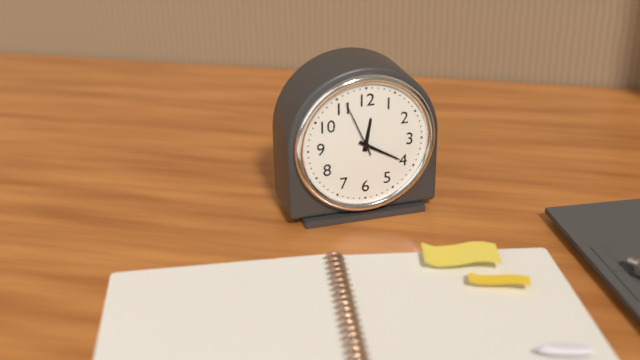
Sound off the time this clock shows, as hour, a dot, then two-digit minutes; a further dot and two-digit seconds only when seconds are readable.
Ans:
12.20
